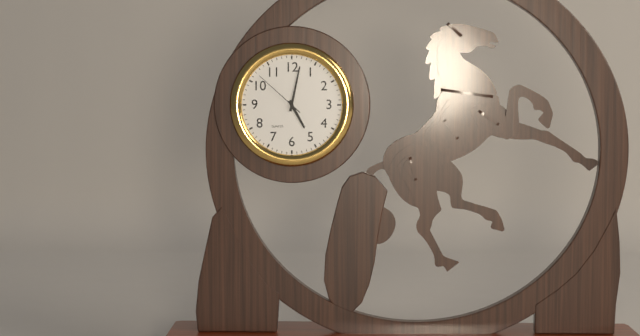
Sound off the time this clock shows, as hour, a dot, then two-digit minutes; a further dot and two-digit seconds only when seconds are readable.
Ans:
5.02.52
